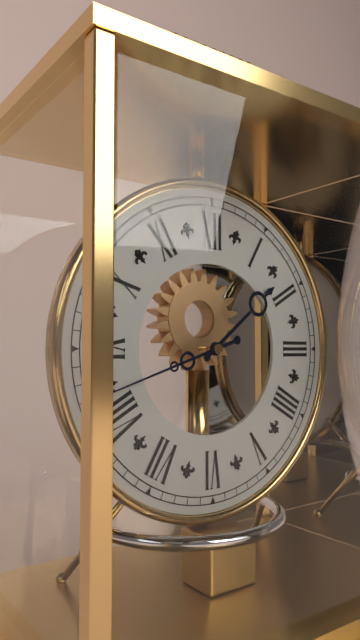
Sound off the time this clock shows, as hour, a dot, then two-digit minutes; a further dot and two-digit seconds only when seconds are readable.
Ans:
1.42
